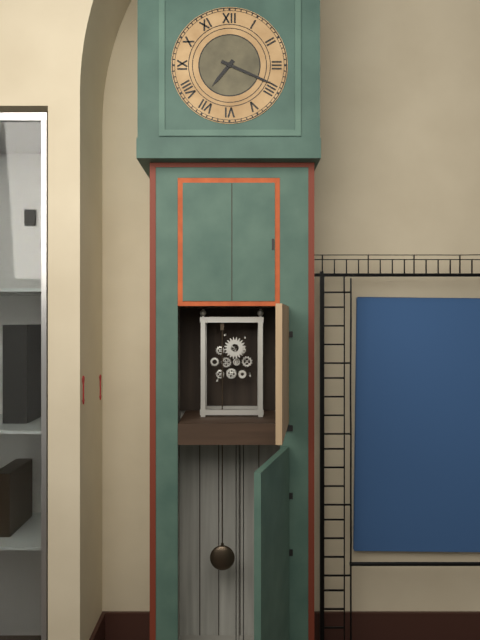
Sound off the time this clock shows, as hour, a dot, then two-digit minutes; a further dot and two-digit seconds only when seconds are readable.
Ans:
7.19
